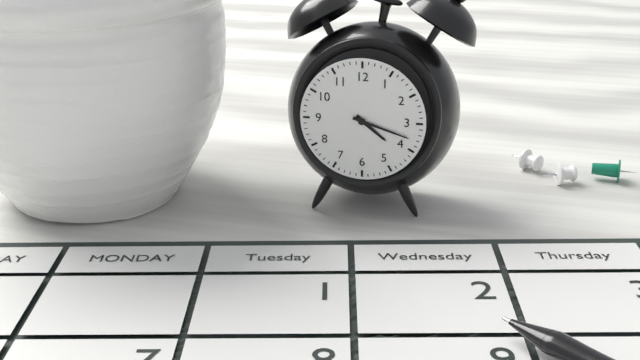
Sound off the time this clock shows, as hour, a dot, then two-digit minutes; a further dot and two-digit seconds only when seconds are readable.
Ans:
4.18
